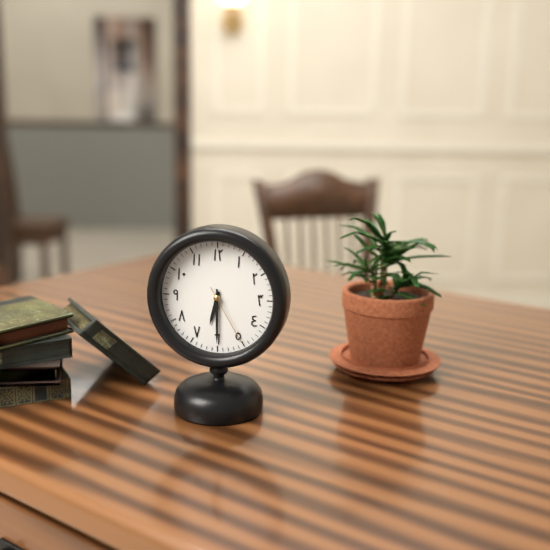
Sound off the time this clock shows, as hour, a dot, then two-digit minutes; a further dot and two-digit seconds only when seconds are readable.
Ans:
6.30.25
